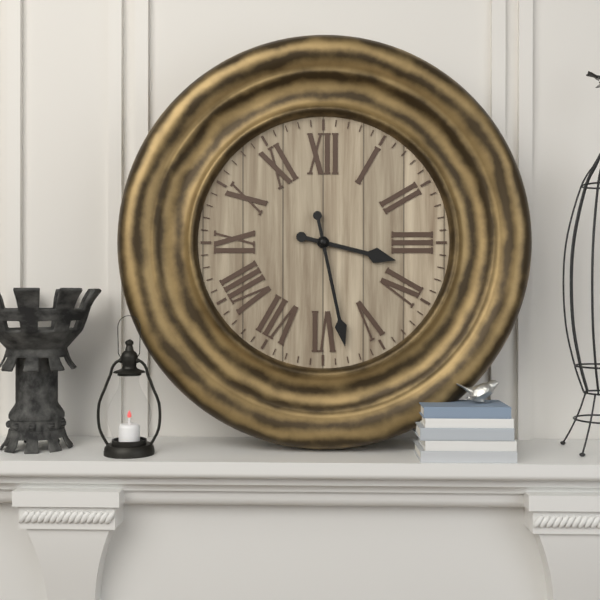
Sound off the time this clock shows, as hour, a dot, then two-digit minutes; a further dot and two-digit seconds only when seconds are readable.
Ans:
3.28
